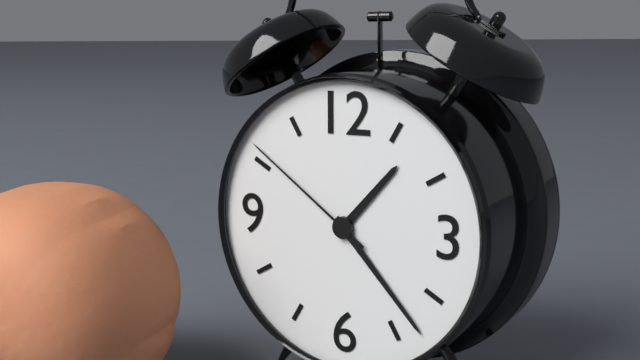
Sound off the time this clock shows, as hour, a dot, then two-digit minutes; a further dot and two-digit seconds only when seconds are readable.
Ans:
1.23.51
